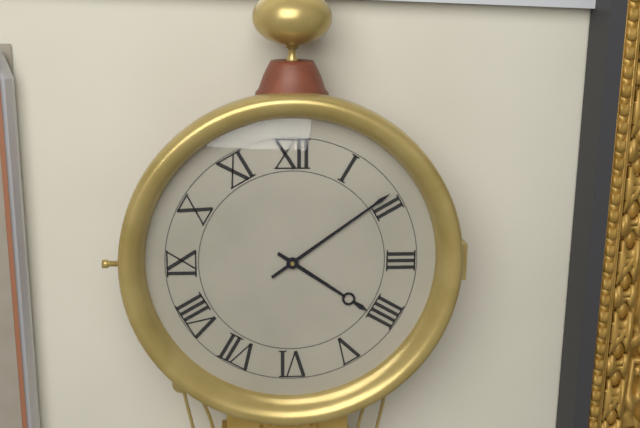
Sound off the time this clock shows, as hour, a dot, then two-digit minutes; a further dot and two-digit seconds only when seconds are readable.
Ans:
4.09
